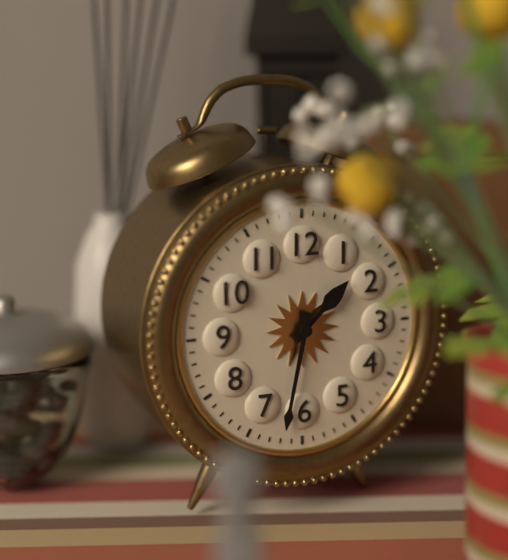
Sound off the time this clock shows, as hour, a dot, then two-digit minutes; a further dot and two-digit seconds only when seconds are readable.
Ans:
1.32
